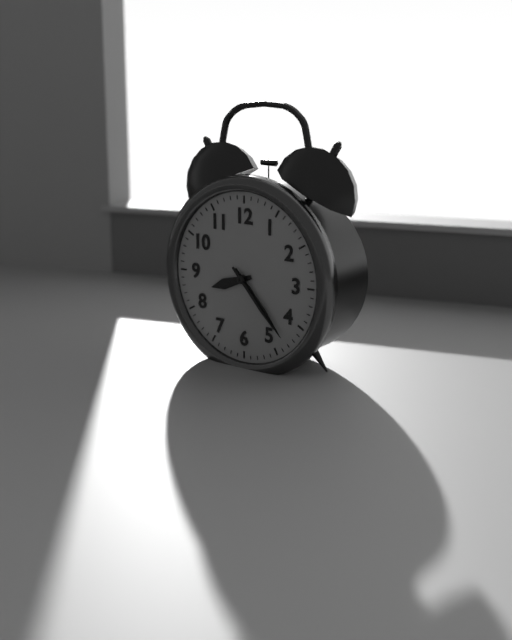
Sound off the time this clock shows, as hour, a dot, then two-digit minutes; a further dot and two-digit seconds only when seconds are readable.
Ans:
8.23.23
